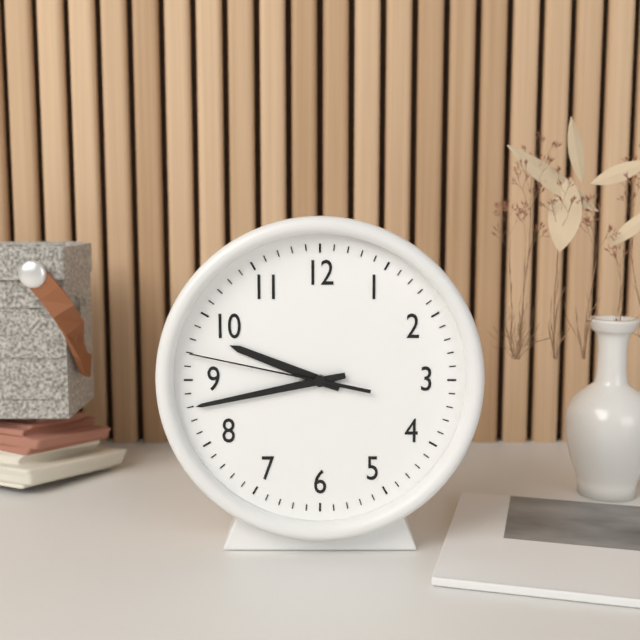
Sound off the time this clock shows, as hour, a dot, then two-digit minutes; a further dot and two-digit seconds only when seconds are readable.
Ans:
9.43.47
